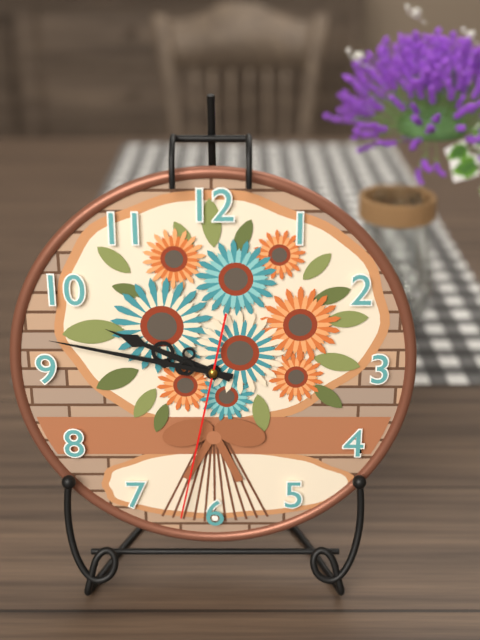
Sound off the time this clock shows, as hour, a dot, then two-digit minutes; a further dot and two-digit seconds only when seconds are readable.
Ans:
9.47.32
